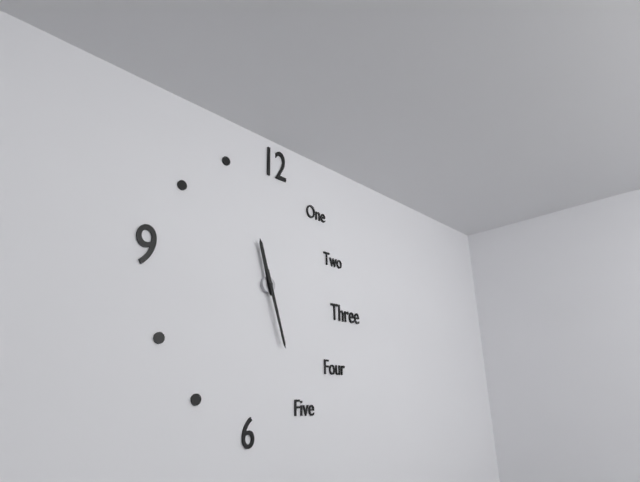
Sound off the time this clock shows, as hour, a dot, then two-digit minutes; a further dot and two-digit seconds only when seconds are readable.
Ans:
11.27
